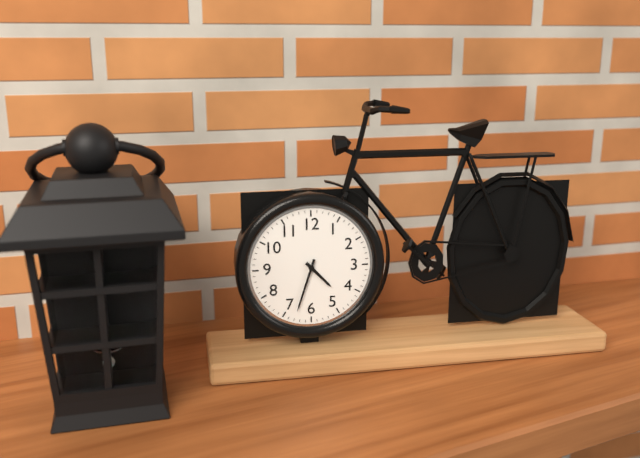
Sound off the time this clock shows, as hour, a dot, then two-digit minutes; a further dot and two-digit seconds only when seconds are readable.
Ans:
4.33
